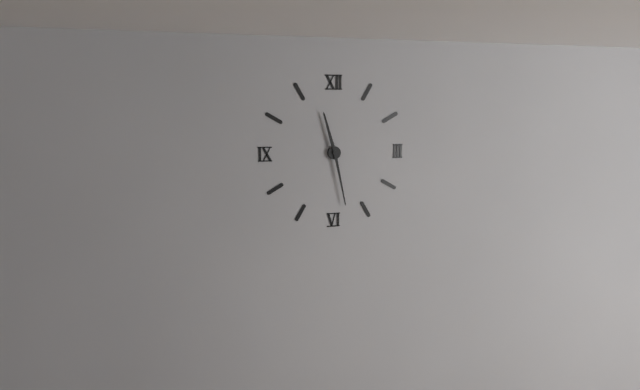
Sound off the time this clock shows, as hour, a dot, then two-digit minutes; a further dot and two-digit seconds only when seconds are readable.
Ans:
11.28
